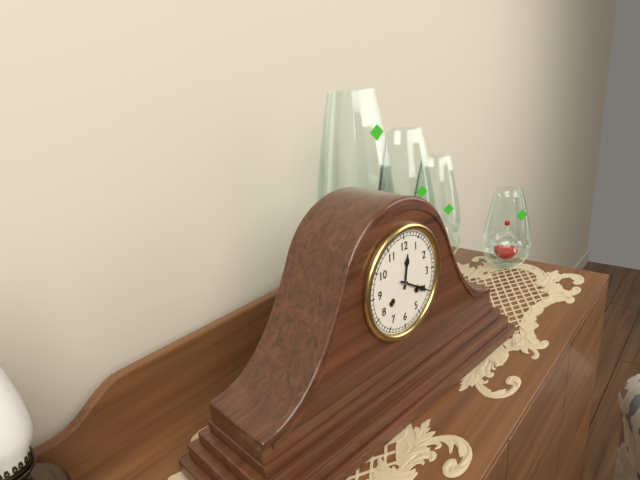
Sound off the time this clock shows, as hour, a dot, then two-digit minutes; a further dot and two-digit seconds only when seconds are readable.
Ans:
12.20
